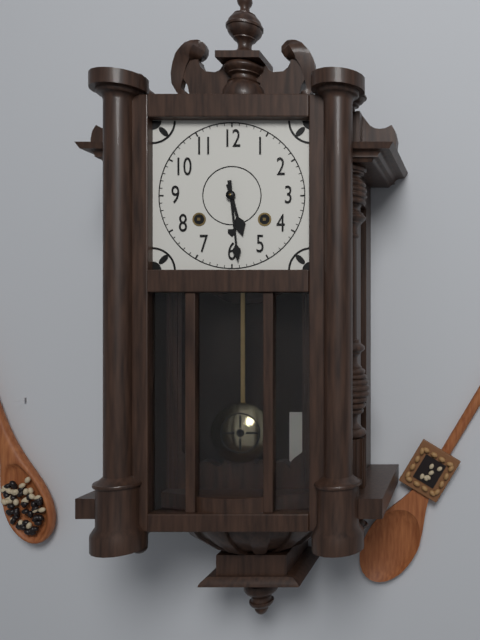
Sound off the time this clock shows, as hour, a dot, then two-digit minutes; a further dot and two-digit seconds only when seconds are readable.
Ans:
5.29
